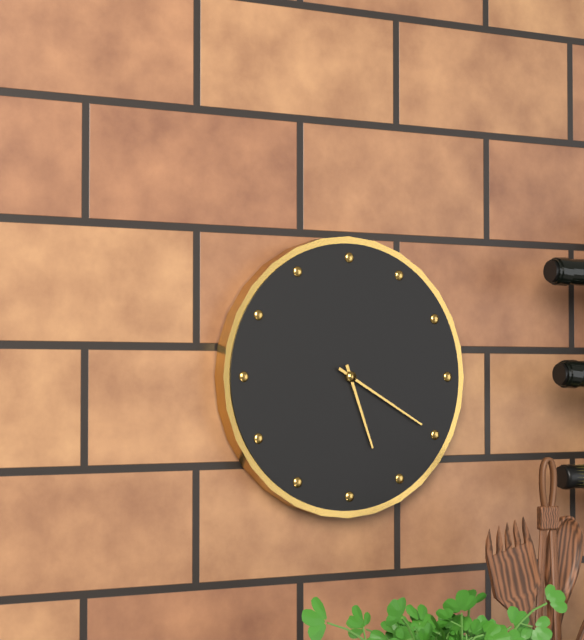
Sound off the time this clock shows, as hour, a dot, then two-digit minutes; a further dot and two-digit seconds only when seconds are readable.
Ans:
5.20
